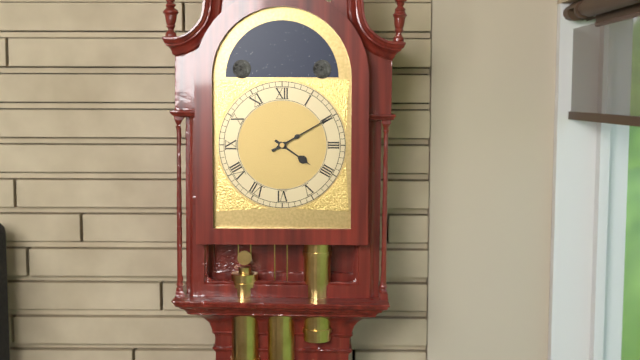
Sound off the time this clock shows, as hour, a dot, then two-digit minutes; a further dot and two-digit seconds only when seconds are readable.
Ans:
4.10
